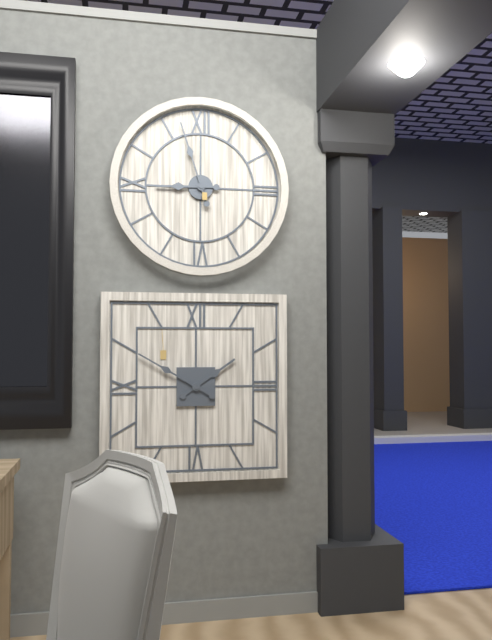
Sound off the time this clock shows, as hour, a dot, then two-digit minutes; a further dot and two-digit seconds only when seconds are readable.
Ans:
8.57
